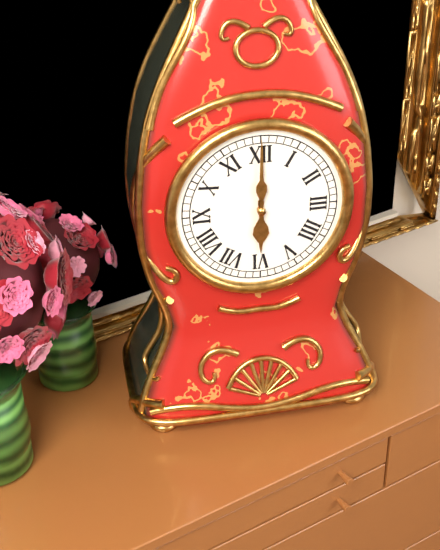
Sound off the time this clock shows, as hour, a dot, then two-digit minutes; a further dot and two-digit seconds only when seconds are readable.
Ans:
6.00
